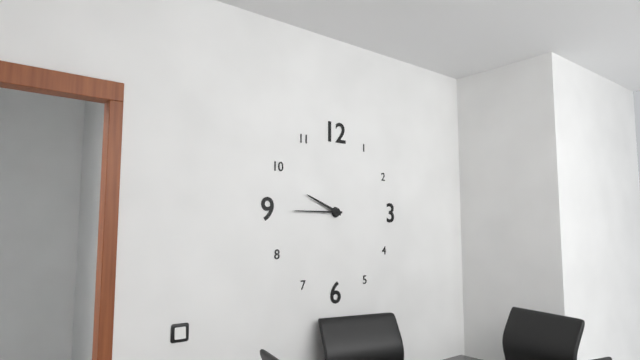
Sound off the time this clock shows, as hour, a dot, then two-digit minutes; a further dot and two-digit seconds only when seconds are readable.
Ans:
9.45
